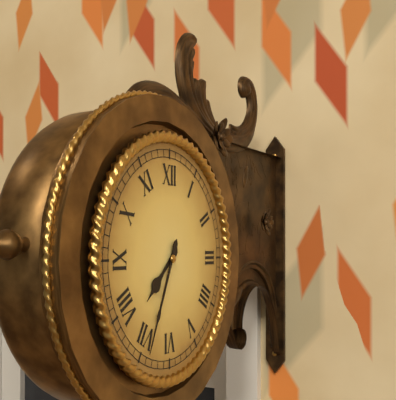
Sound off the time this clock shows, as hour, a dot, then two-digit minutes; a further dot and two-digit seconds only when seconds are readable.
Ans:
7.34
